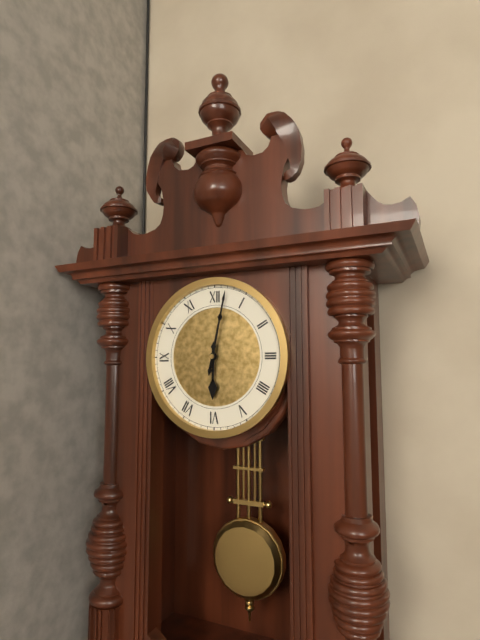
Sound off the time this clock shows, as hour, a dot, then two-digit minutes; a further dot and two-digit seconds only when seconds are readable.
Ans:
6.02
